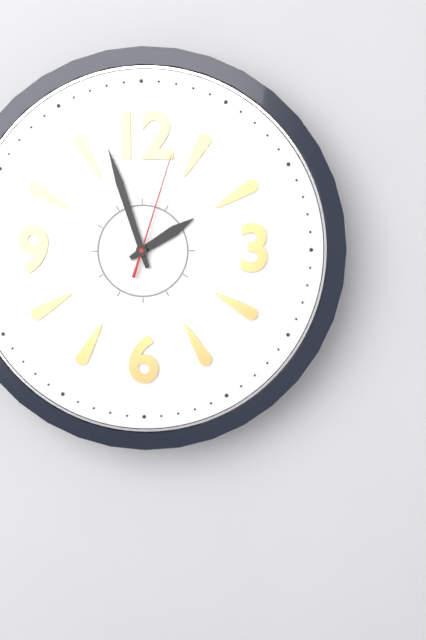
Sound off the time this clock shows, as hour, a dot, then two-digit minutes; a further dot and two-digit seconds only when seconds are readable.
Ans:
1.57.03
